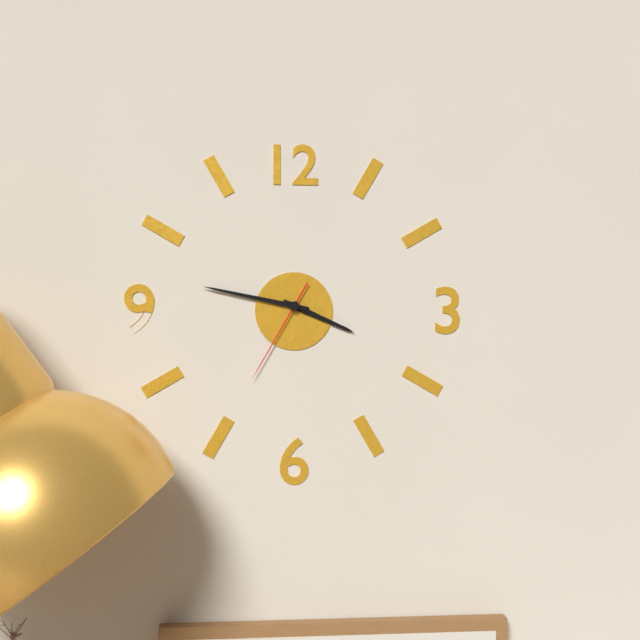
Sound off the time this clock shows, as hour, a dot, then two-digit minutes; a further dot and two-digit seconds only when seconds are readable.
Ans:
3.47.35
